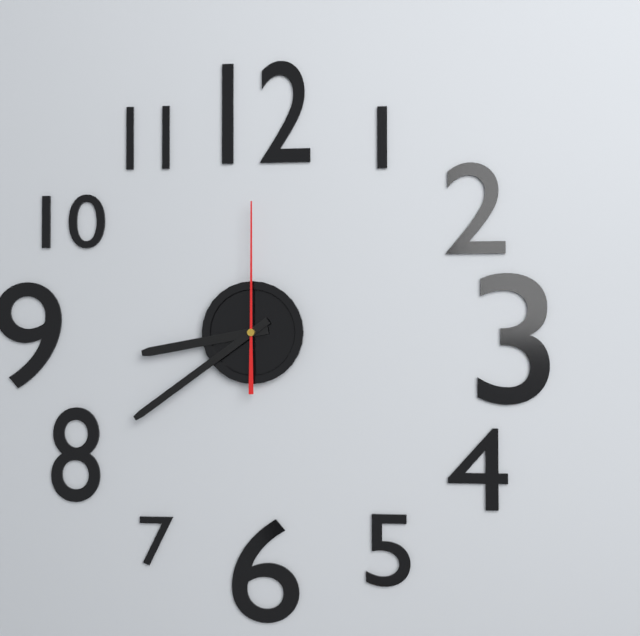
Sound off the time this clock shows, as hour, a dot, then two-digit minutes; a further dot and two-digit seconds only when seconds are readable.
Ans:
8.39.00
